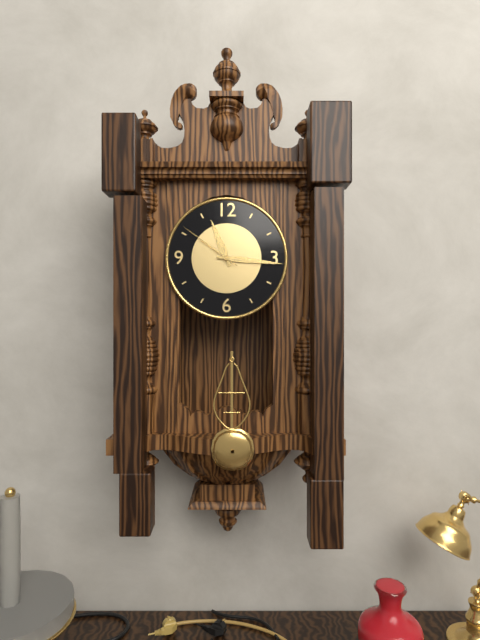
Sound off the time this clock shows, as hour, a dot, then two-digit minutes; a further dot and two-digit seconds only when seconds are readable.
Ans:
11.16.51
